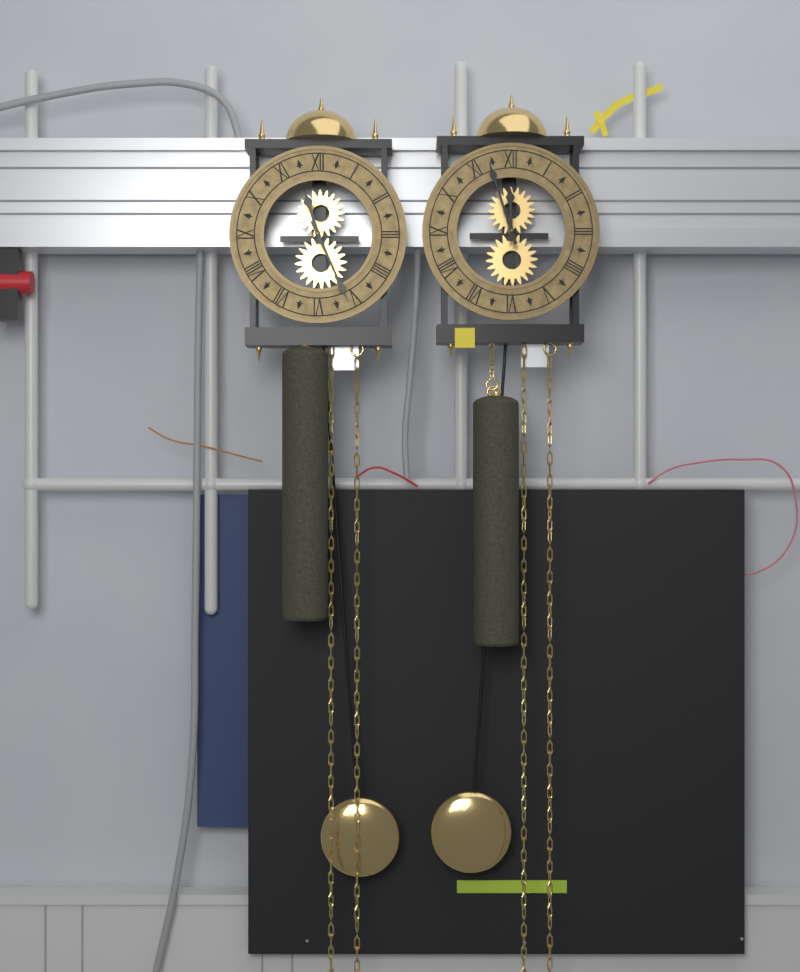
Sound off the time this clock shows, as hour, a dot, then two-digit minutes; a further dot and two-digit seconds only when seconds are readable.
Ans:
11.26
